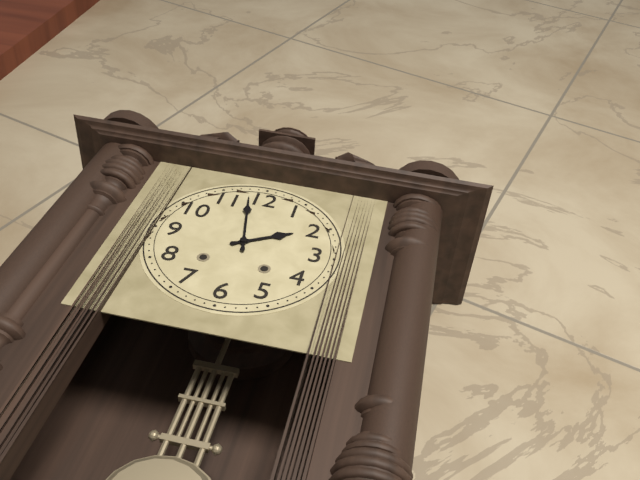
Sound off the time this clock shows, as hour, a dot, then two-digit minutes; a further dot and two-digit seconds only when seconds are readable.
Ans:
1.58
